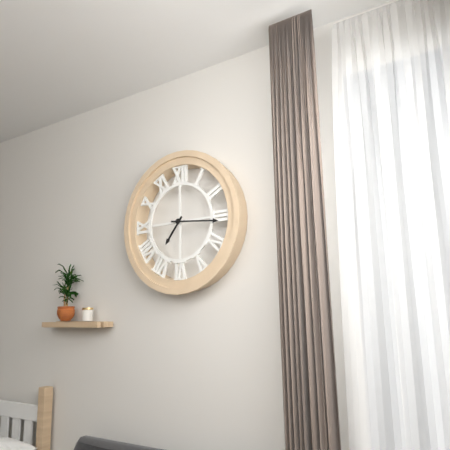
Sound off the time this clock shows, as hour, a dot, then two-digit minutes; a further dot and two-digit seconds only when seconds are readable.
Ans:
7.16
